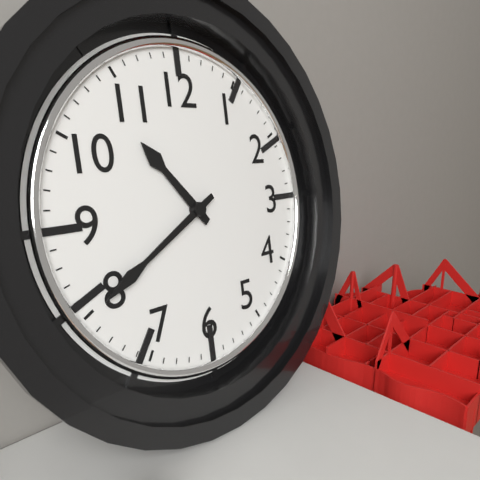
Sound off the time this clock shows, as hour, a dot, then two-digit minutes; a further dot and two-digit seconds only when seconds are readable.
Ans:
10.40
